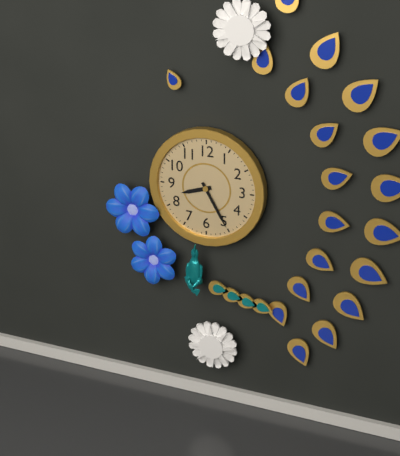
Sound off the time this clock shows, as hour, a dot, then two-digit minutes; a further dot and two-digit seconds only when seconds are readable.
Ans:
8.25
